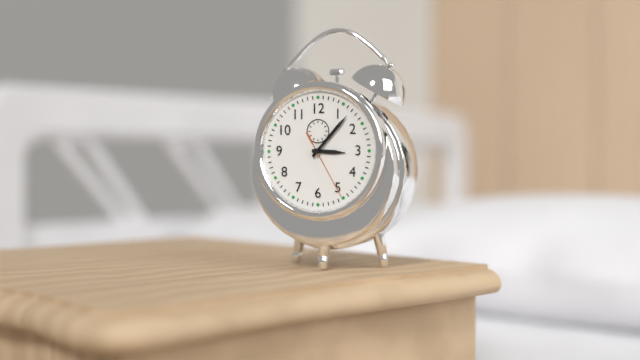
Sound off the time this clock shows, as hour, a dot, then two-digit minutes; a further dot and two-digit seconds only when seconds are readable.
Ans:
3.07.25
